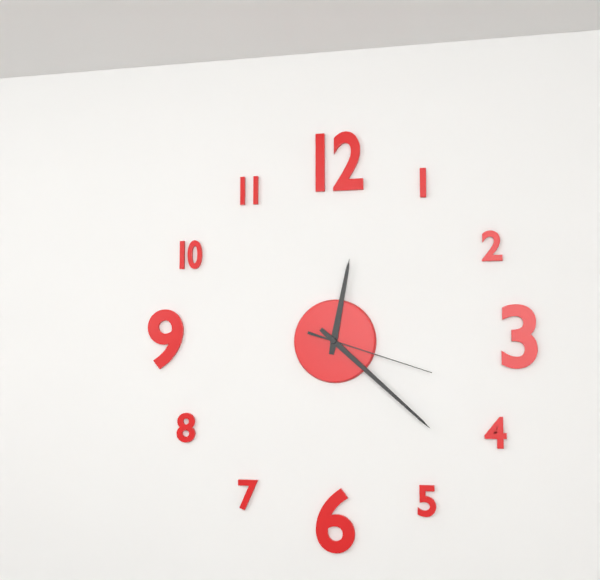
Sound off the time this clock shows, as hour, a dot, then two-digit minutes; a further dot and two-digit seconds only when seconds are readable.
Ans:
12.22.18
